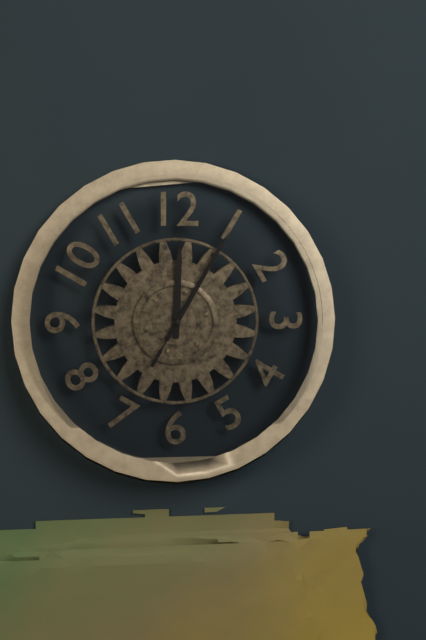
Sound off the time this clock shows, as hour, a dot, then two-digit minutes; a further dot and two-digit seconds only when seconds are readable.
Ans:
12.05.05
